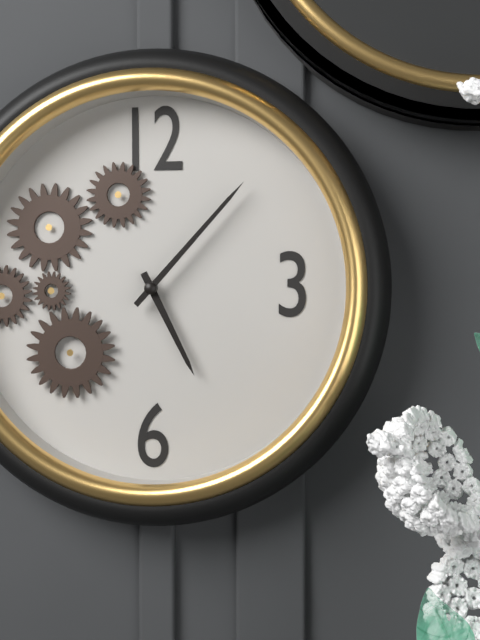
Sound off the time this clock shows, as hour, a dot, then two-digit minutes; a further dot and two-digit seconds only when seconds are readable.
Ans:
5.07
